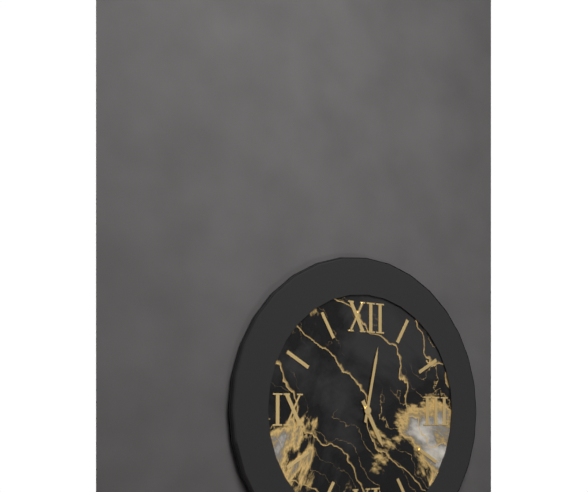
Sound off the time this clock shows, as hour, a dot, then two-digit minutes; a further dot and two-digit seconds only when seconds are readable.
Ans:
5.02
